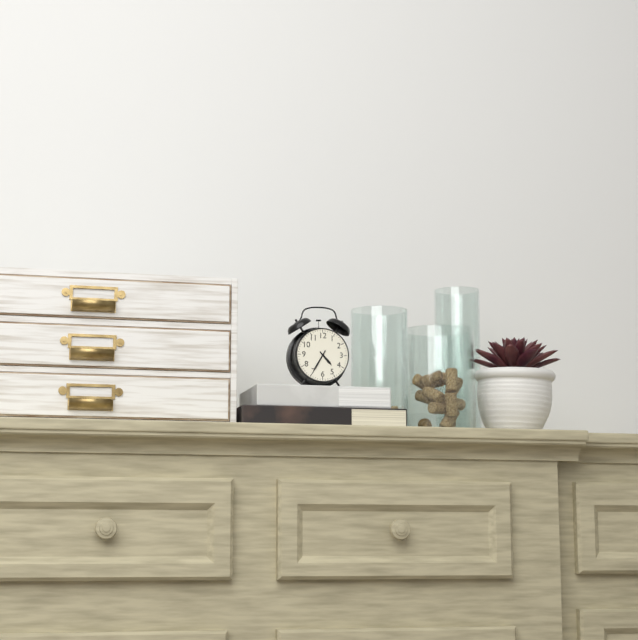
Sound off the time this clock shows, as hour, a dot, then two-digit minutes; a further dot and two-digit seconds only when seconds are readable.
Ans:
4.35
